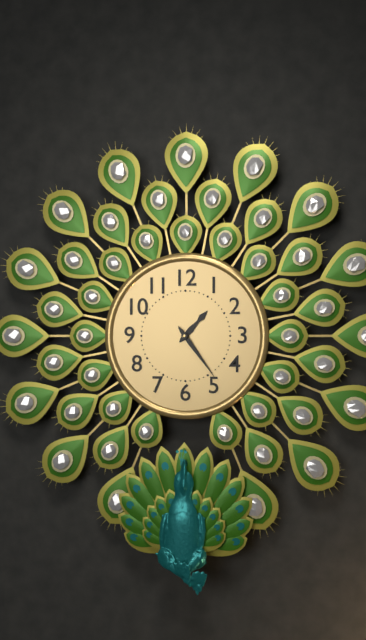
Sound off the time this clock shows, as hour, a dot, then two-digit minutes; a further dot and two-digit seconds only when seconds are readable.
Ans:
1.24
